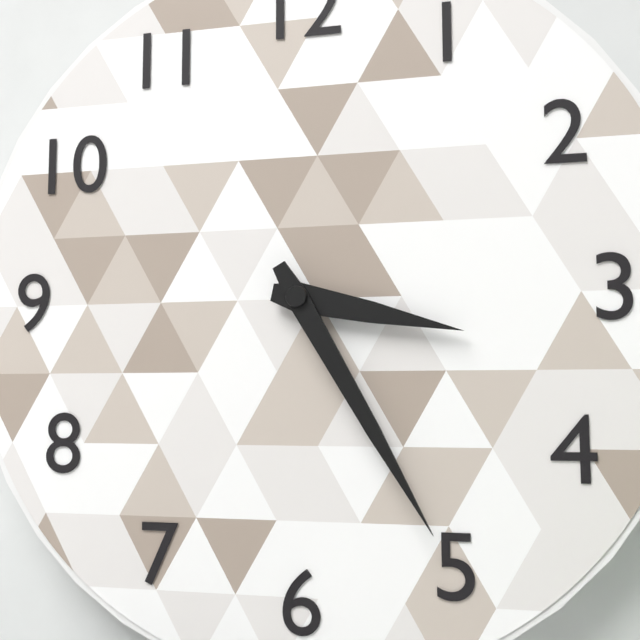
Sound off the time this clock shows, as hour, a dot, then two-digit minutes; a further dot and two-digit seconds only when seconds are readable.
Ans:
3.25
